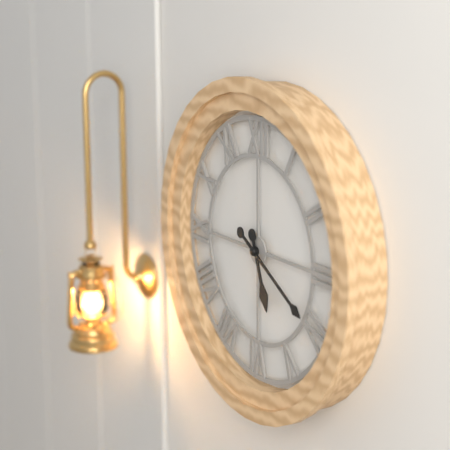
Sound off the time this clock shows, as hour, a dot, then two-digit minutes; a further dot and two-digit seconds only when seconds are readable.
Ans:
5.20
